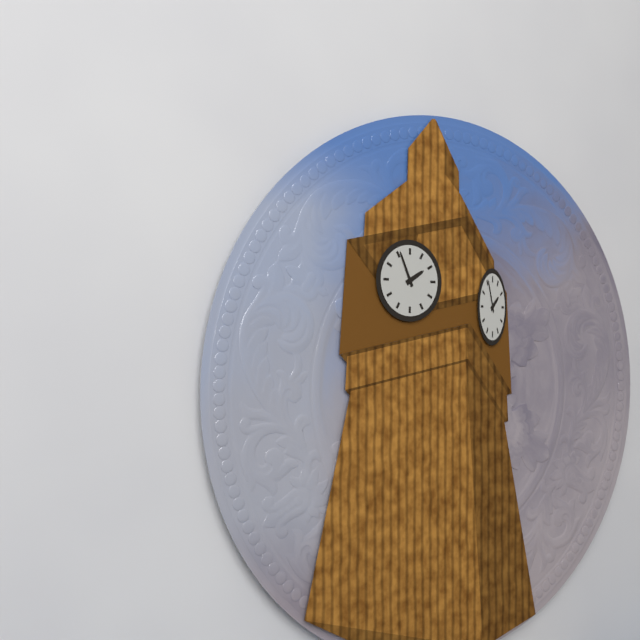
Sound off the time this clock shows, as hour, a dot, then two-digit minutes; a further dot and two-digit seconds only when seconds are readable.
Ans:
1.56
